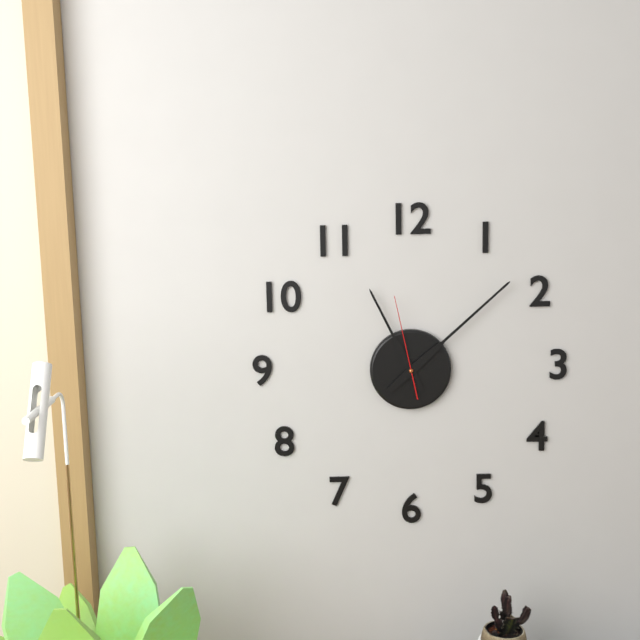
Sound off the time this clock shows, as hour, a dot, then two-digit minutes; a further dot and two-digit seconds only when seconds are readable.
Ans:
11.08.58
